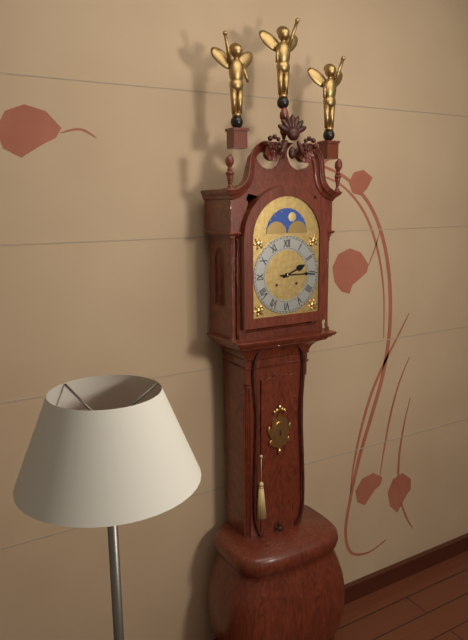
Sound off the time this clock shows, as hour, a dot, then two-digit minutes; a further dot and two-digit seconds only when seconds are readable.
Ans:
2.15
